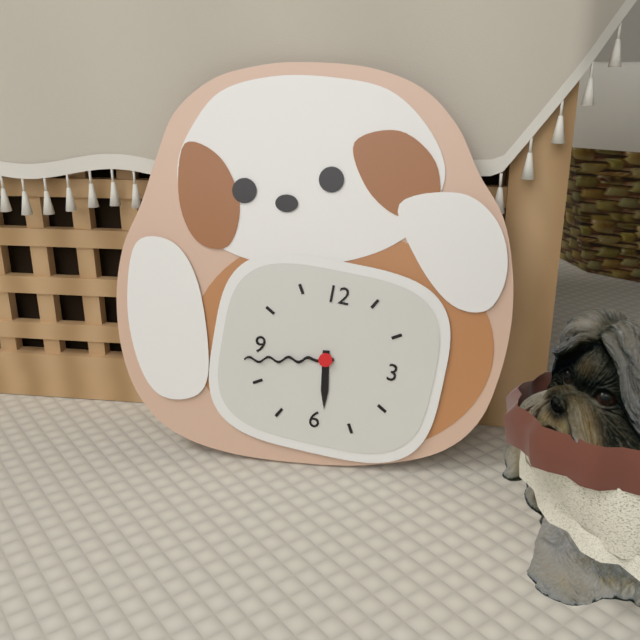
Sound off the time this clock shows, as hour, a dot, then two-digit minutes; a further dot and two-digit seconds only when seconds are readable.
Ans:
5.43
